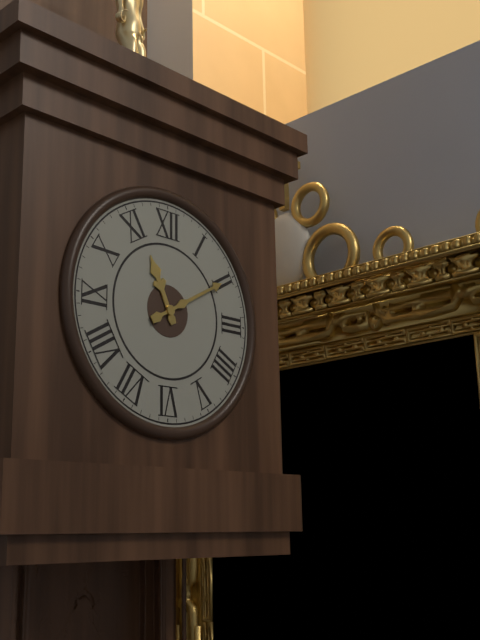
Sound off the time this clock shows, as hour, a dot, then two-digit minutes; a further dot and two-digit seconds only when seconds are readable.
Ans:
11.10
